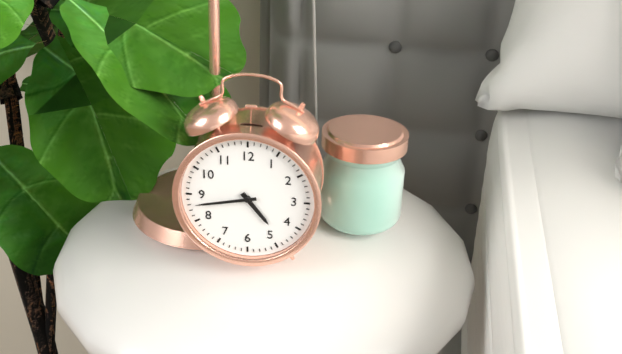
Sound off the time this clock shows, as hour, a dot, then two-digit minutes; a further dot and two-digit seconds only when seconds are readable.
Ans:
4.43
